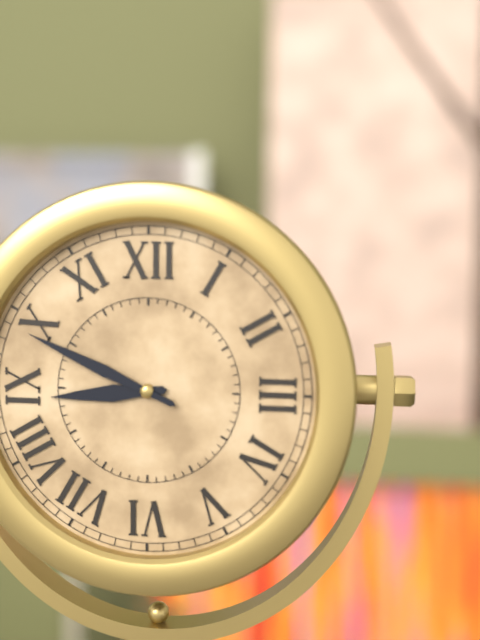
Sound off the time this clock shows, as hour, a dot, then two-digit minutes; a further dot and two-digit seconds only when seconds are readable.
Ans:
8.49
